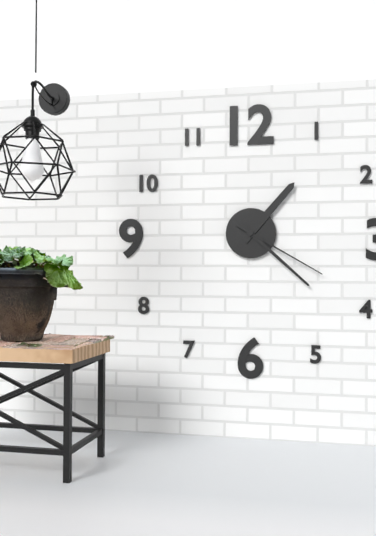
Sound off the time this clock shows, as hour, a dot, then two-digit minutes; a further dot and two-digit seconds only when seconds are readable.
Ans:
1.22.20
